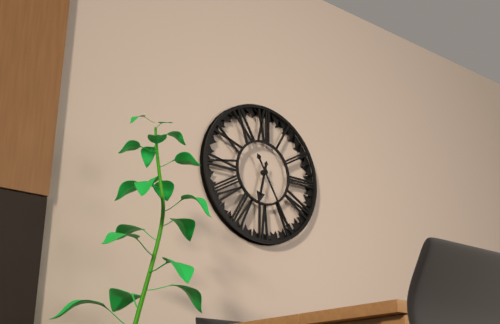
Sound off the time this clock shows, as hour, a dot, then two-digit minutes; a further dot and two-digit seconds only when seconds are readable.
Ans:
6.25
